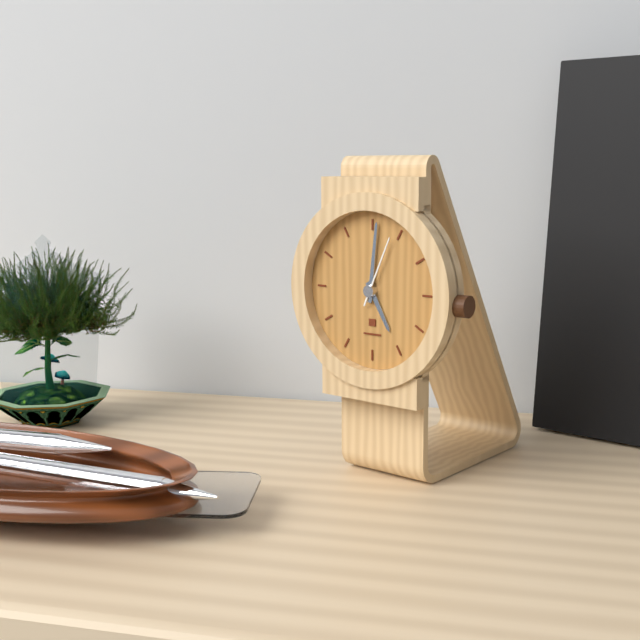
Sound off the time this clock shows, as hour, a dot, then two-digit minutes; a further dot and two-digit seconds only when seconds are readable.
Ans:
5.01.04
